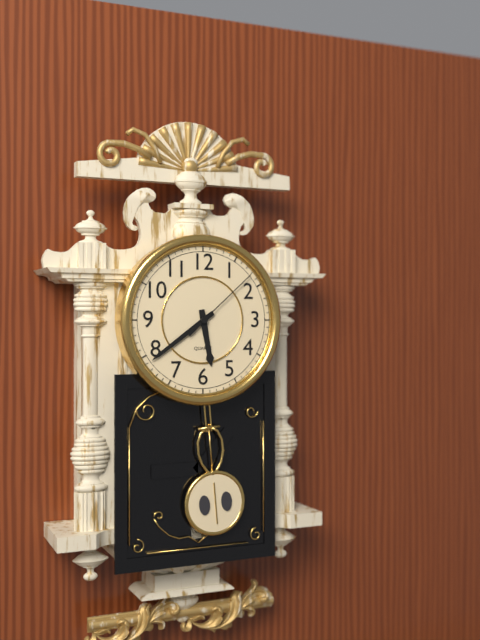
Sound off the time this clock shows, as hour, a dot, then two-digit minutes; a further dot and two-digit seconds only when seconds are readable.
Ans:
5.39.08
